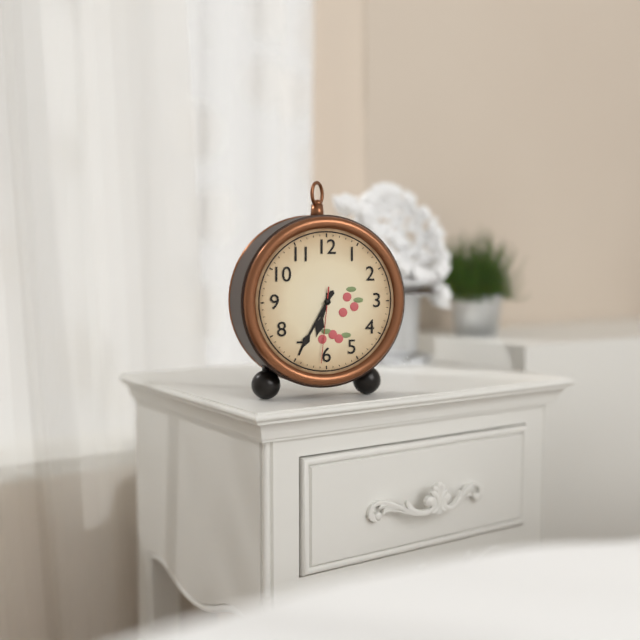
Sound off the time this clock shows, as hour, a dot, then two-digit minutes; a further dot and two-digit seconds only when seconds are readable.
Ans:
6.35.31
